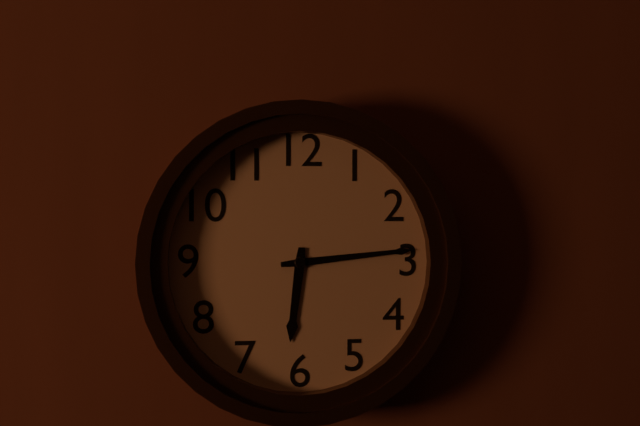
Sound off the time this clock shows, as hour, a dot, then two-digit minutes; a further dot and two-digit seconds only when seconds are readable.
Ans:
6.14
